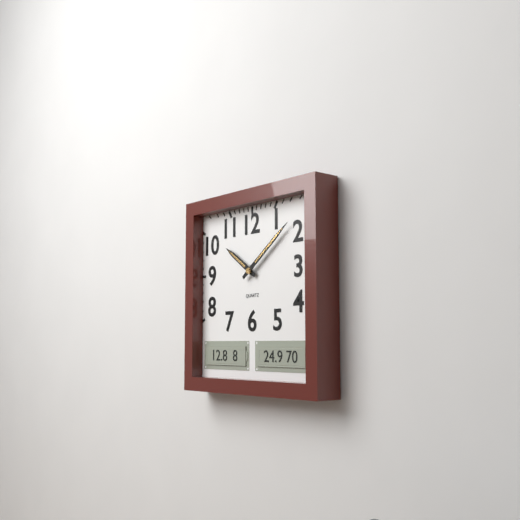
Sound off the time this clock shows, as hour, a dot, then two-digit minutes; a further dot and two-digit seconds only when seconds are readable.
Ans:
10.09
